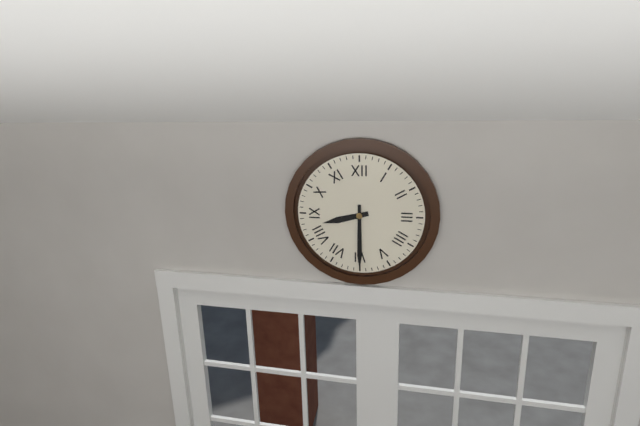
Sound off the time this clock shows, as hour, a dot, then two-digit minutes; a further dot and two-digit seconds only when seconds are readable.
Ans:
8.30
